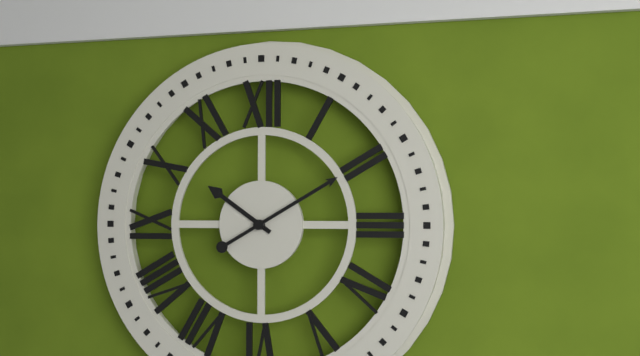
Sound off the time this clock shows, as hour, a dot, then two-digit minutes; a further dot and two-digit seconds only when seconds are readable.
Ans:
10.10
